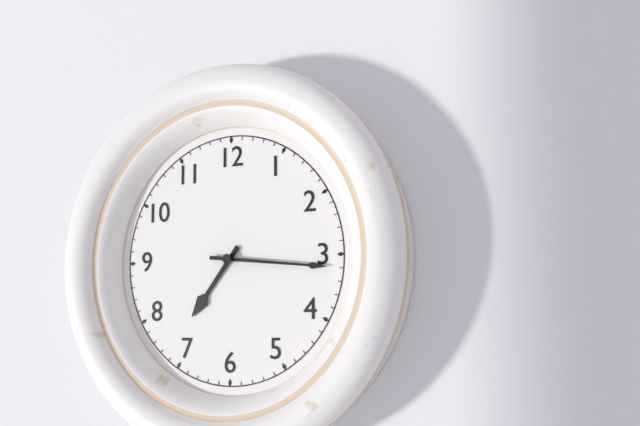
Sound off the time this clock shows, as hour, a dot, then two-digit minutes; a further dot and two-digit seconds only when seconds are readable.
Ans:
7.16
